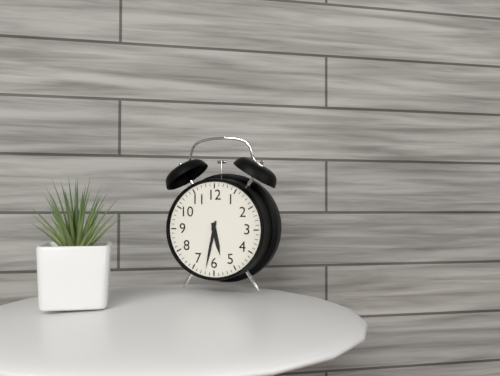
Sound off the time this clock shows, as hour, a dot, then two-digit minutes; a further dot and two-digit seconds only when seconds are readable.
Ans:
5.32
